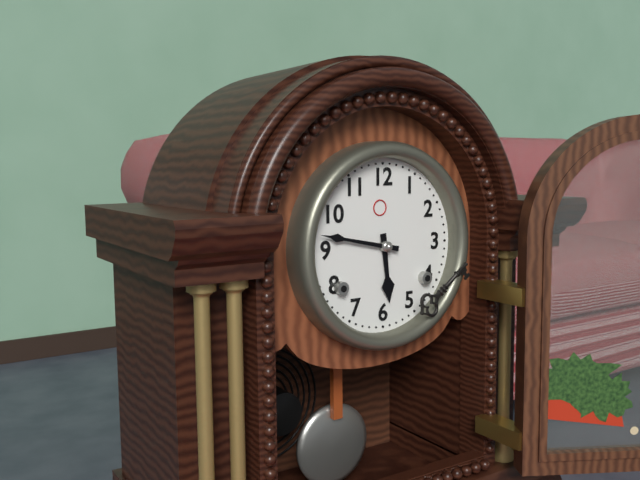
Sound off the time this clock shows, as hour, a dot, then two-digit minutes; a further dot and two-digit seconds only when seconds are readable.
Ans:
5.47
